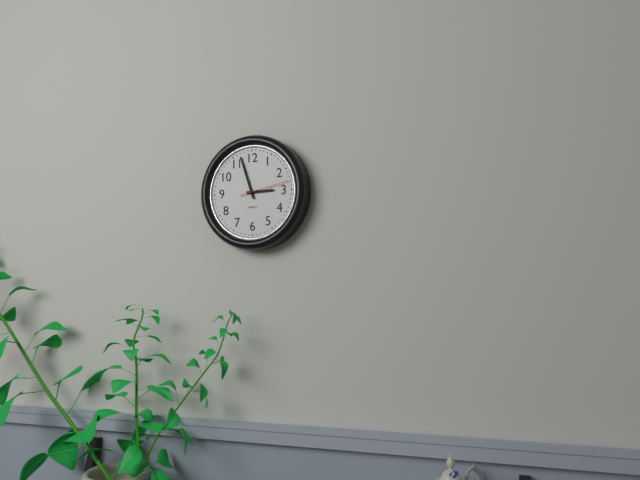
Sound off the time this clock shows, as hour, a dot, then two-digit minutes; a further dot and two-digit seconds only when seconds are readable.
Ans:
2.57
